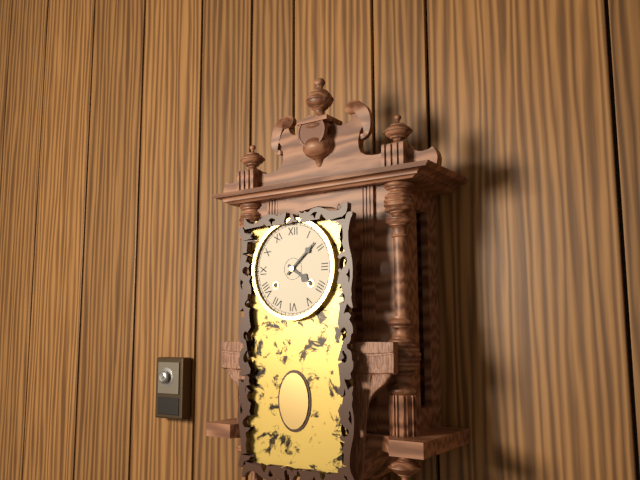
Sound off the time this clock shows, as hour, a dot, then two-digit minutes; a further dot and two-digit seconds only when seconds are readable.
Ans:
4.08
